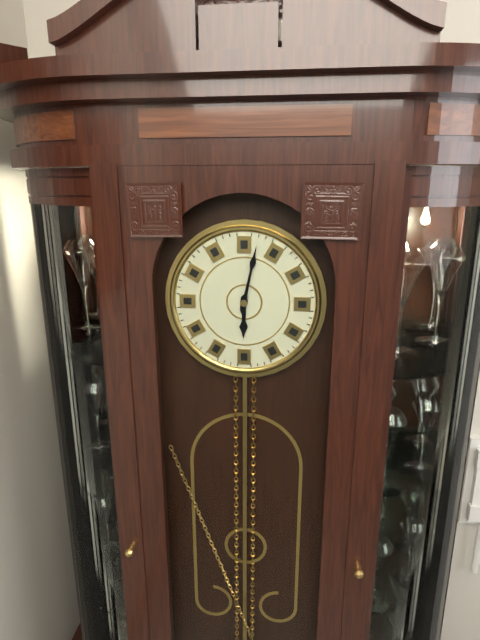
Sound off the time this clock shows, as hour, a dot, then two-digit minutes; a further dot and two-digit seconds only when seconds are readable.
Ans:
6.02
